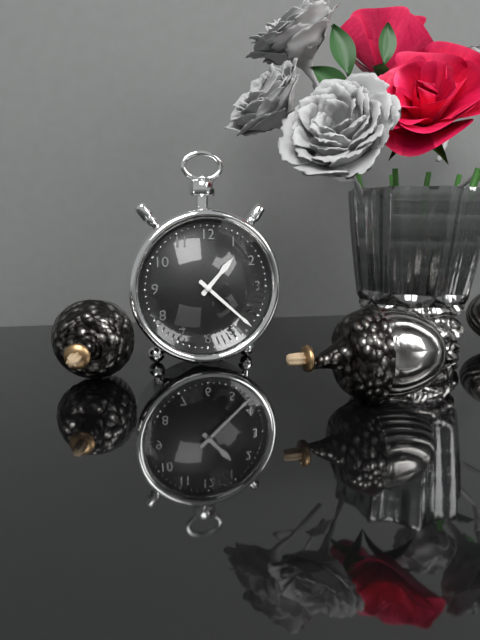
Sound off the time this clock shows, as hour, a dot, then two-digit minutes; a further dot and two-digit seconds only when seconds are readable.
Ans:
1.22
